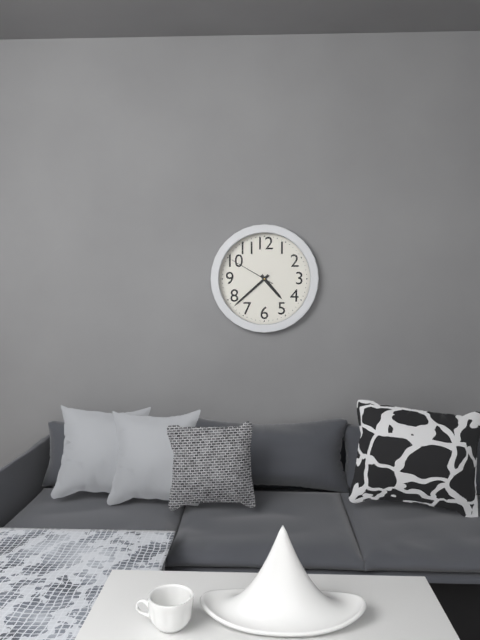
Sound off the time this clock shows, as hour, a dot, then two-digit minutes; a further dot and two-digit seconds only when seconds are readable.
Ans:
4.38
